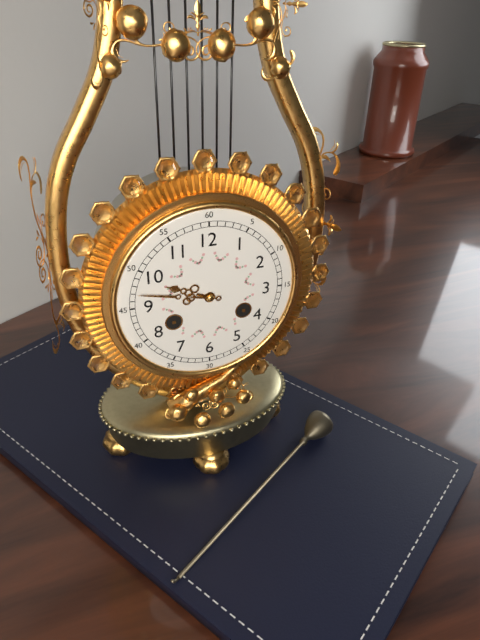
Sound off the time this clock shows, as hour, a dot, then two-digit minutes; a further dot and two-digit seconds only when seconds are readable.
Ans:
9.47
